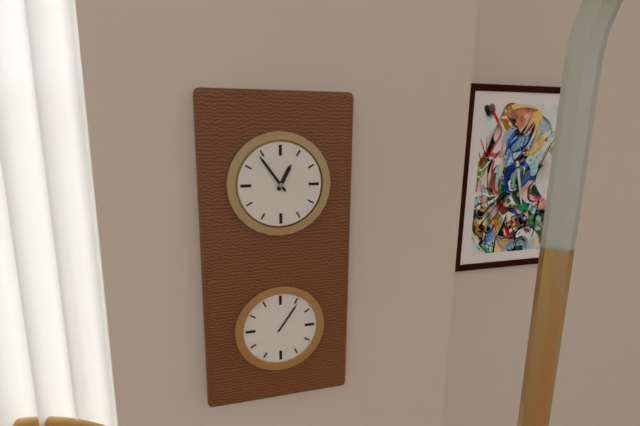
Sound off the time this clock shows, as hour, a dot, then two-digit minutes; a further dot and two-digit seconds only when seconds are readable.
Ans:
12.54
